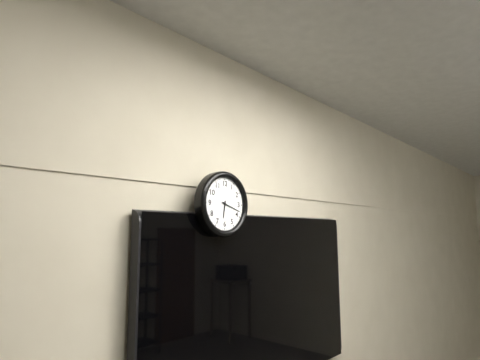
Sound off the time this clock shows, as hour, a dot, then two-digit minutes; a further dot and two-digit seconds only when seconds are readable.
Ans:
6.18
